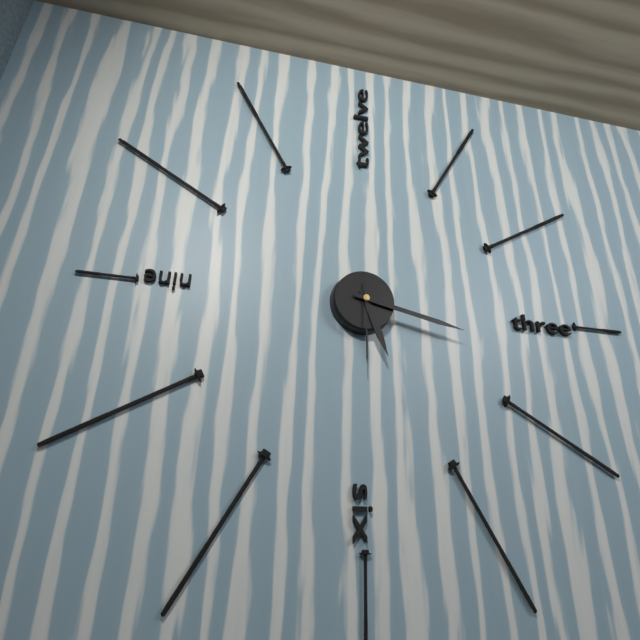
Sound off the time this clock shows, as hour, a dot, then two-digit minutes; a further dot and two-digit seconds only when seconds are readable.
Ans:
5.17.30
